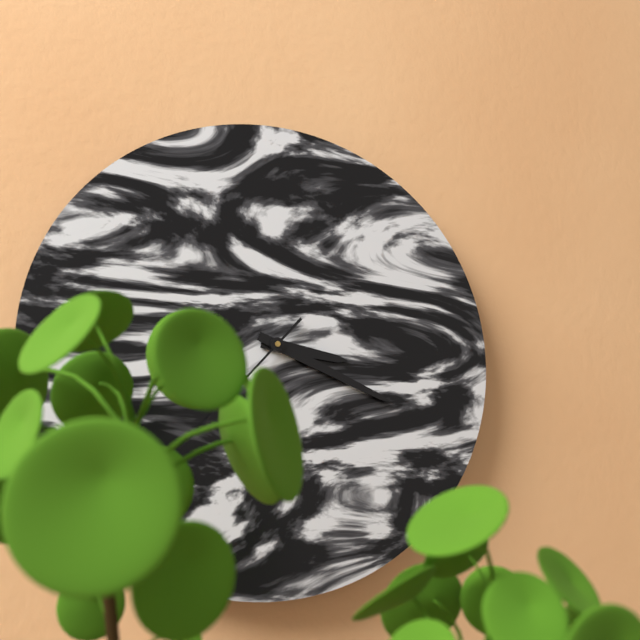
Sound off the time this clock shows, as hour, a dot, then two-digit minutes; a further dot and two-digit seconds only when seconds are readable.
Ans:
3.19.37
